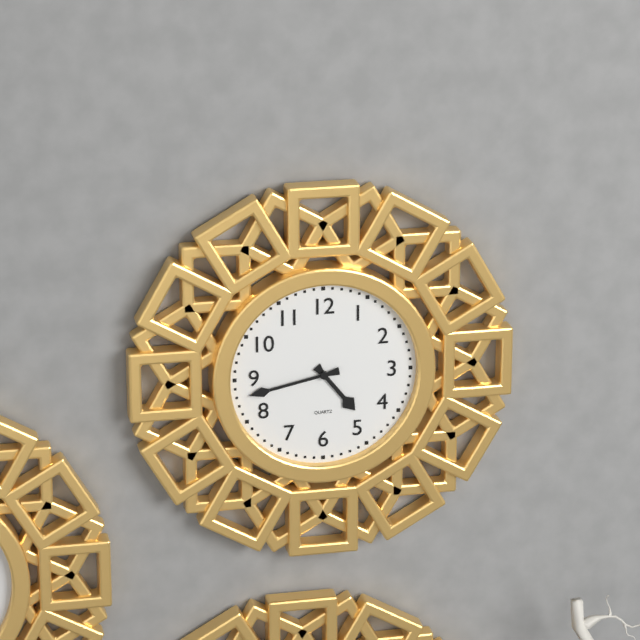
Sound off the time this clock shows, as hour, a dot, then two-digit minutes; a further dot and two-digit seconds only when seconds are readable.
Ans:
4.43
